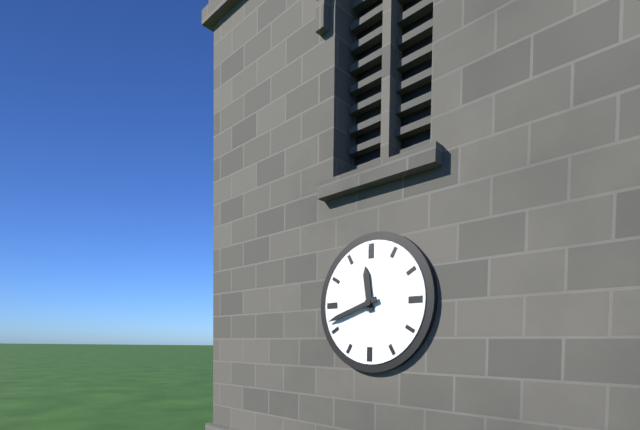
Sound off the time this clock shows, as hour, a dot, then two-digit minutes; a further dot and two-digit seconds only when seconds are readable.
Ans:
11.42
